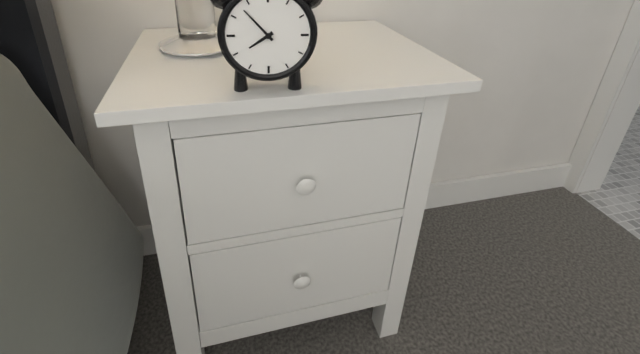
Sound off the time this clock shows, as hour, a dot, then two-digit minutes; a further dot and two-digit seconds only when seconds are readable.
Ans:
7.53
